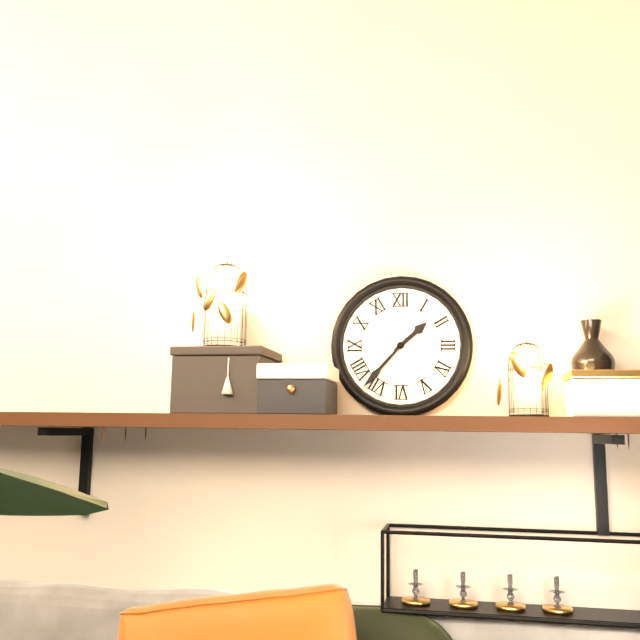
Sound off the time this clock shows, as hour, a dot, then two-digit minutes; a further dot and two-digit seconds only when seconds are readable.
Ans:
1.37
